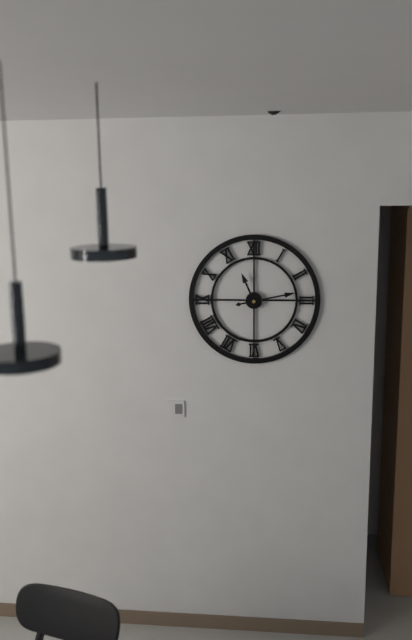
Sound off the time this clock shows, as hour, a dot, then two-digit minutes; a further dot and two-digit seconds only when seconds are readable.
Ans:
11.13
